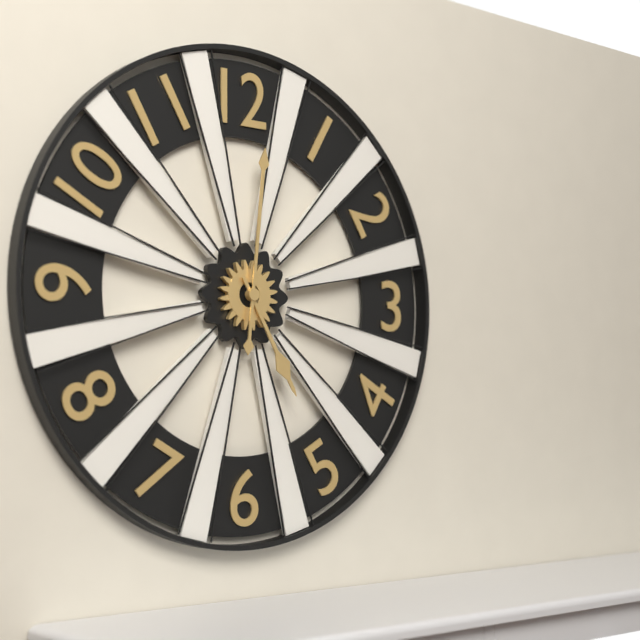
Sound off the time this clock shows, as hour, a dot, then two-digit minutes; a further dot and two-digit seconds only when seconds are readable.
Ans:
5.01
